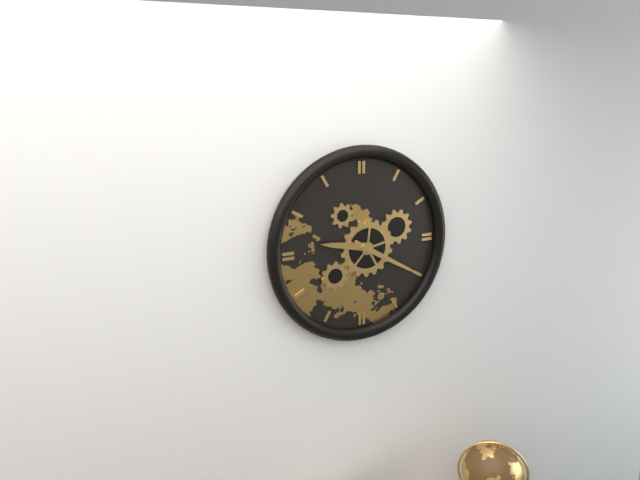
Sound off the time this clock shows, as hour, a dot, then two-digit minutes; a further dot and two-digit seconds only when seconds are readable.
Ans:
9.20
